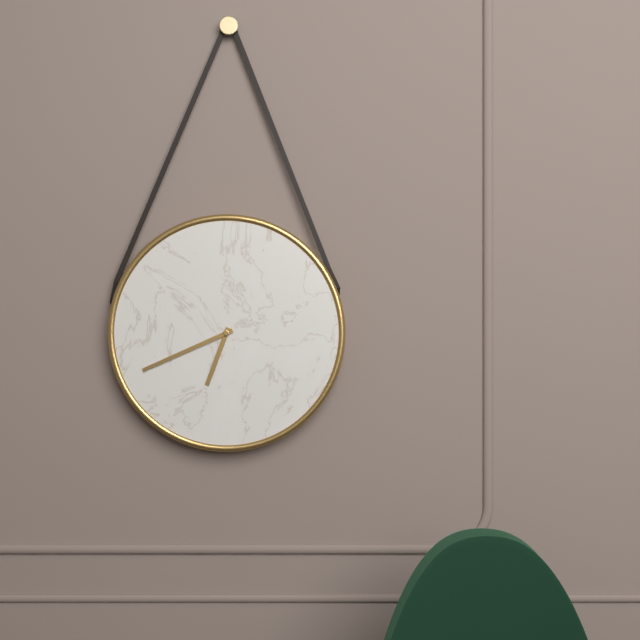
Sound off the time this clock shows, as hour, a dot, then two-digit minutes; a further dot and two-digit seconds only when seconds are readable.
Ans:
6.41
